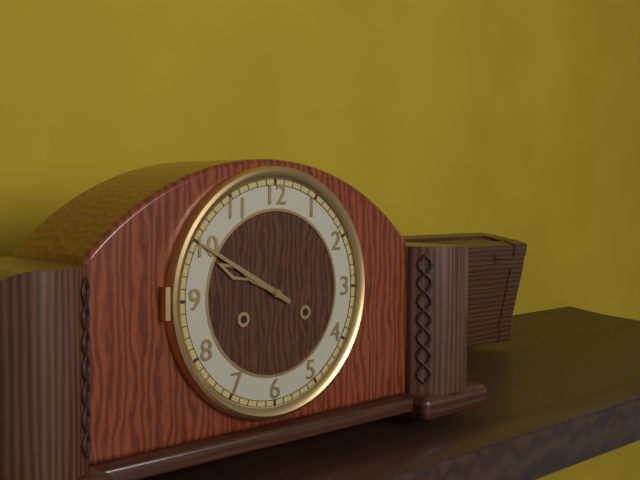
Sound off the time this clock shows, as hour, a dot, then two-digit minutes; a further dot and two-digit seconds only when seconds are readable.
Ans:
9.50
